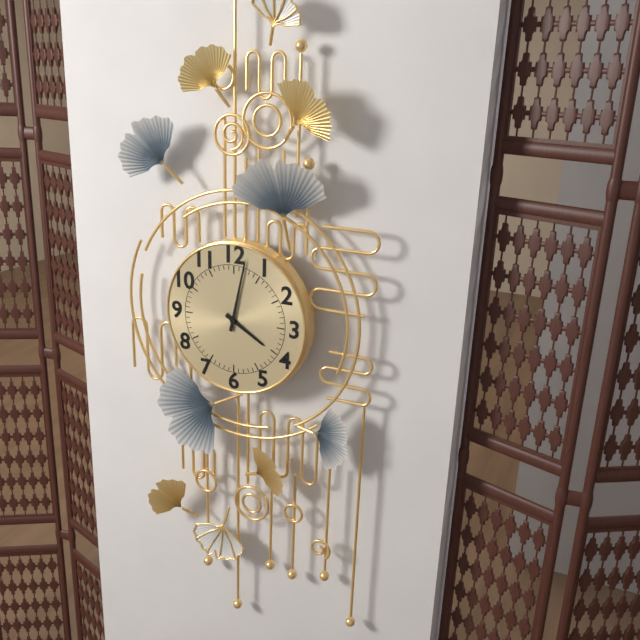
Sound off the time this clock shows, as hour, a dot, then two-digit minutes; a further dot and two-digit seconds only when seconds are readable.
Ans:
4.02
